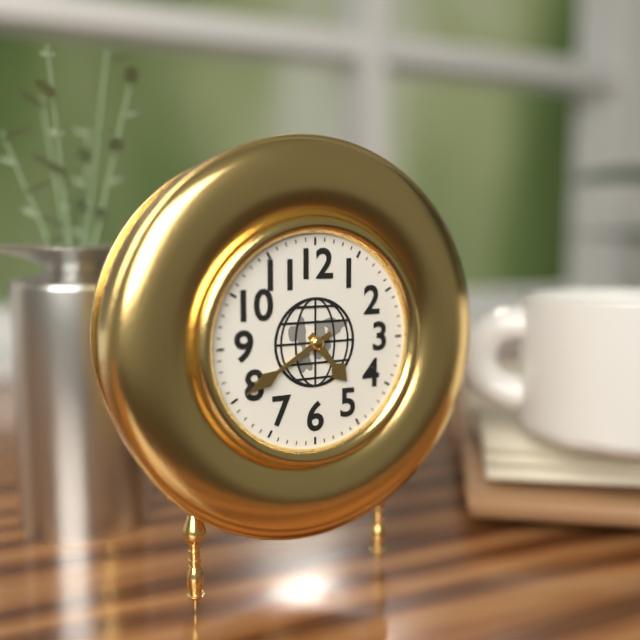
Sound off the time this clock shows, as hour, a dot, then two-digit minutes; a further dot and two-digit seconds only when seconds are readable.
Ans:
4.40
